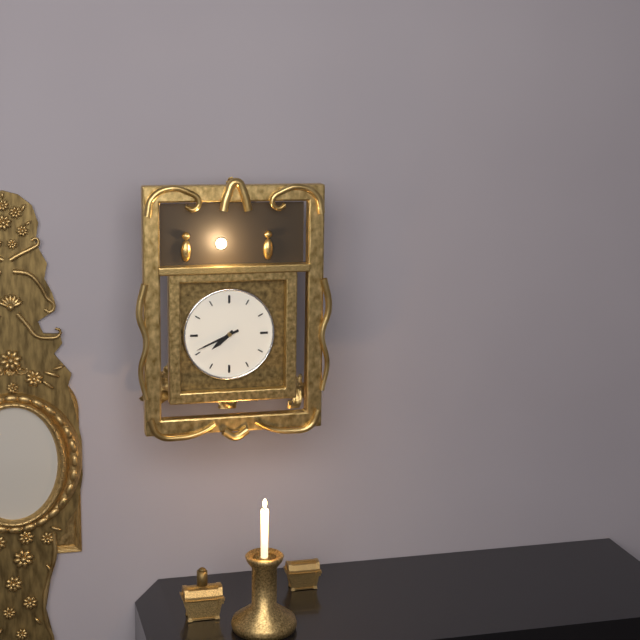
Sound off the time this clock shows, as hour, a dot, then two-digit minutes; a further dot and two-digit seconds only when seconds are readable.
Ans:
7.41
